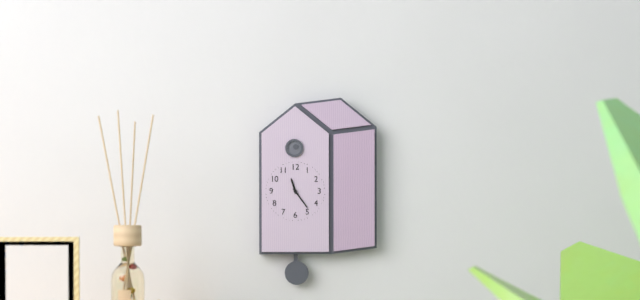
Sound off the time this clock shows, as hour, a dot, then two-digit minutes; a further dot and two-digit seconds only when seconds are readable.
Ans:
11.24
